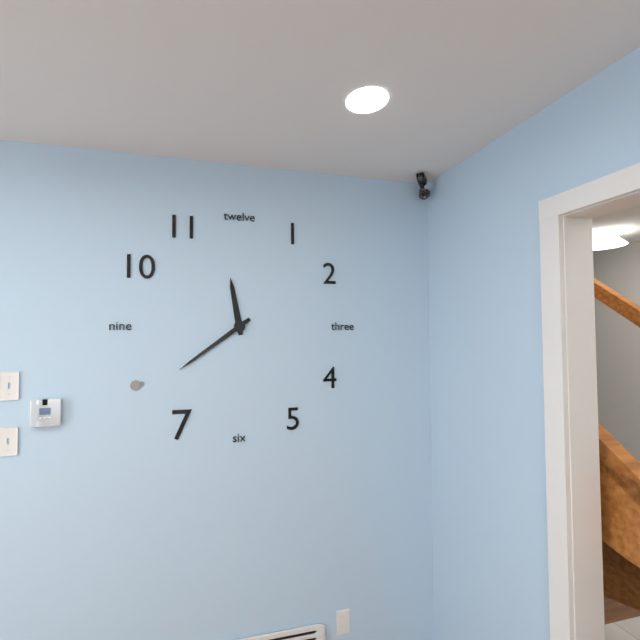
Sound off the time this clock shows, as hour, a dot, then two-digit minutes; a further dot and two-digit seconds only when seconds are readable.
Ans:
11.39
